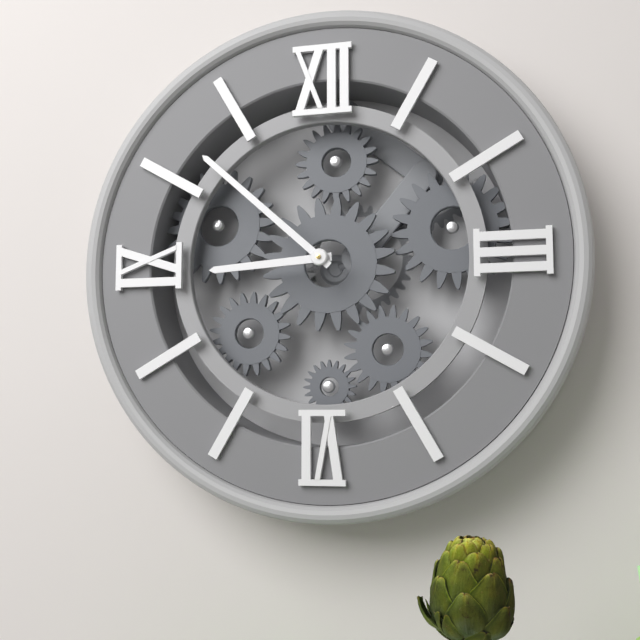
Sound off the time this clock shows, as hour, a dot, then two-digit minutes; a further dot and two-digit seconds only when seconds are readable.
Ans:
8.52
